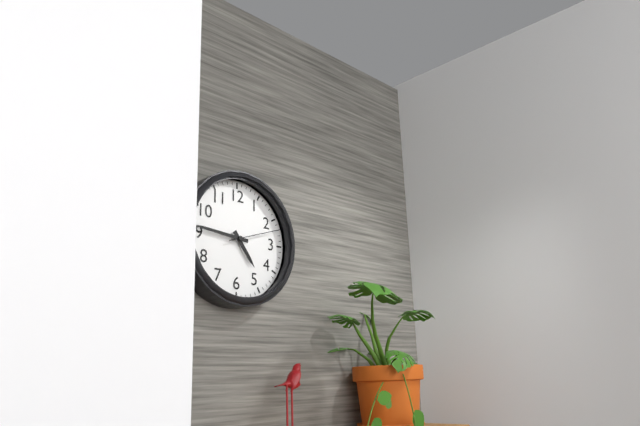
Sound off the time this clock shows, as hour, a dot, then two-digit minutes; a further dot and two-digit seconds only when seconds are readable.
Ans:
4.46.12
